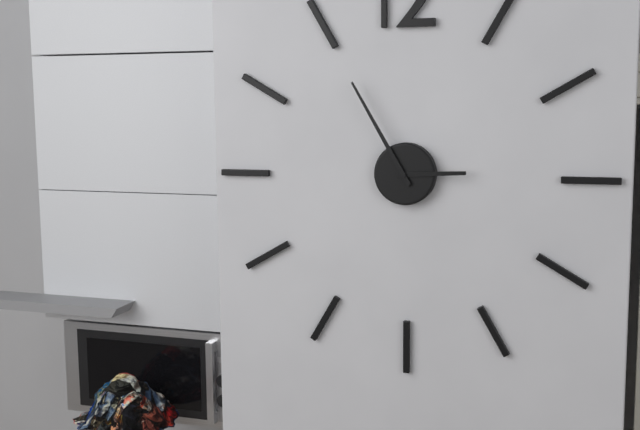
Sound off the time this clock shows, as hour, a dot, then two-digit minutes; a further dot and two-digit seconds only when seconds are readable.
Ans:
2.55
